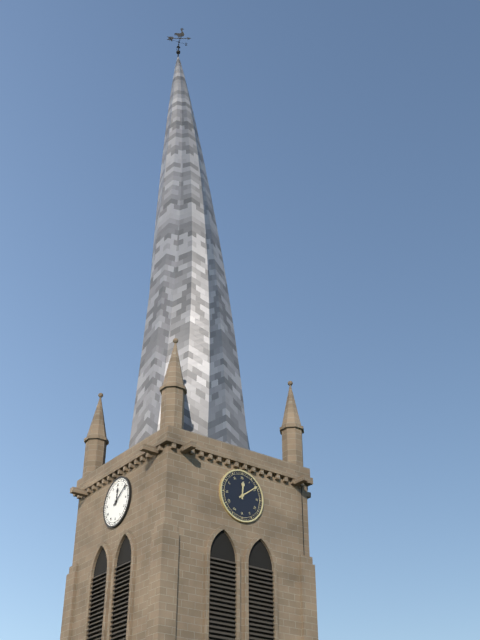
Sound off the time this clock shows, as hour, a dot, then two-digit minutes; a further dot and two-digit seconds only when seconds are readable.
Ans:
12.09
